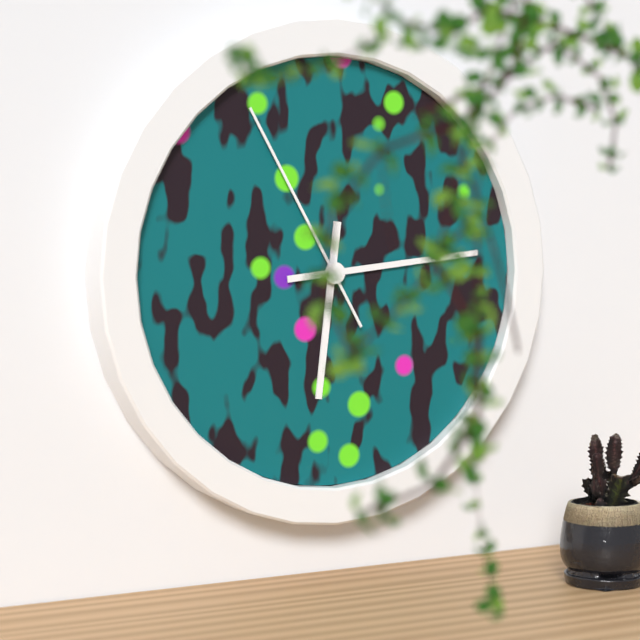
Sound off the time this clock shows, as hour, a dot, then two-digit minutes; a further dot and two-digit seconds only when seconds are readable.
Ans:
6.14.55
